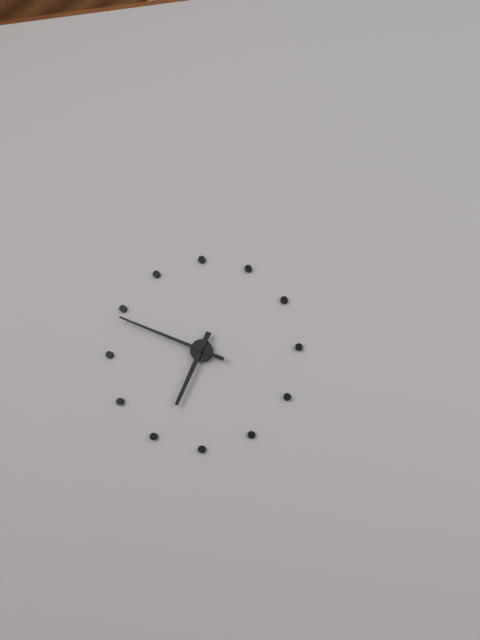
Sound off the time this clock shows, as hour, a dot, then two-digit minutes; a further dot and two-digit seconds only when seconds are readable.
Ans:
6.49
